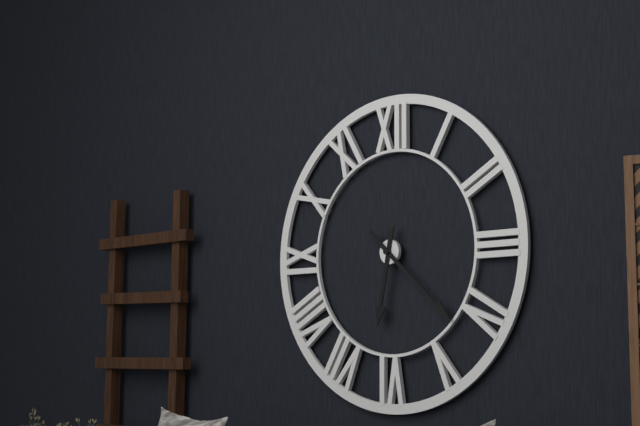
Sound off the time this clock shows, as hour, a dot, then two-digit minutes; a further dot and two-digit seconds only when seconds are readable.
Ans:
6.22
